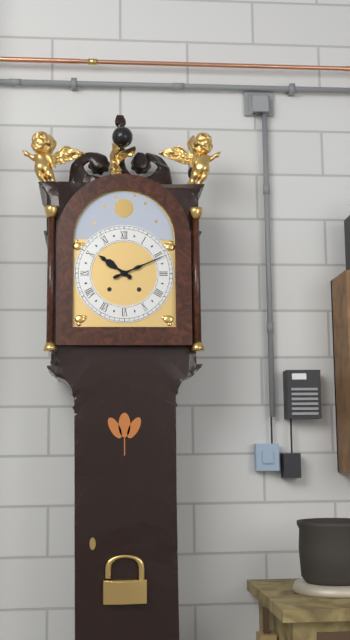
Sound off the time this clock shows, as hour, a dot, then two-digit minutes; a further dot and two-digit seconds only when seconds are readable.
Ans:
10.11
